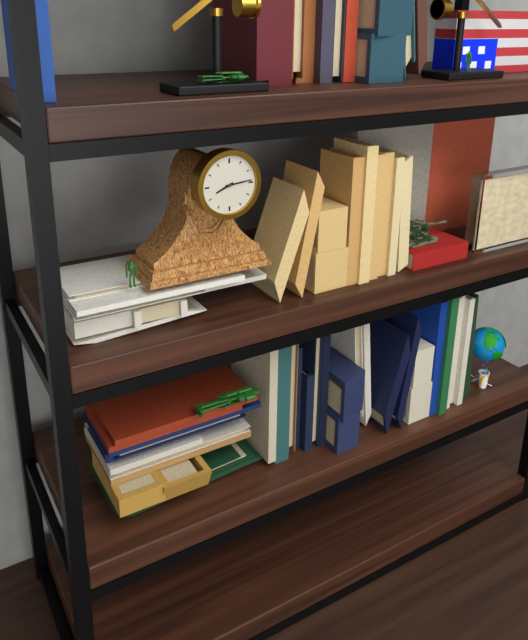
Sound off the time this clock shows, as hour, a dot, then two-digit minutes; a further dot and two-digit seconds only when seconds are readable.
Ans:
8.14
